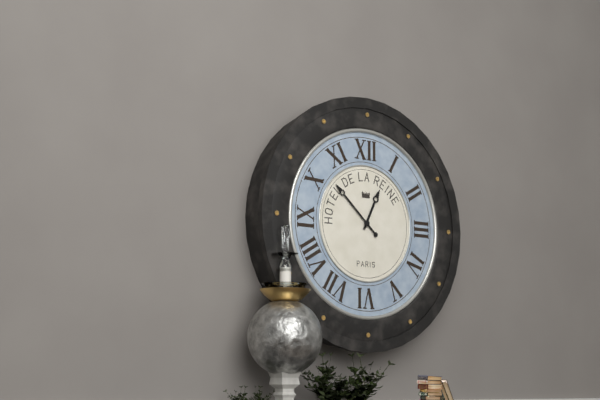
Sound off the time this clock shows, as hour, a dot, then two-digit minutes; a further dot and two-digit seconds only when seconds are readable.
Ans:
12.52
